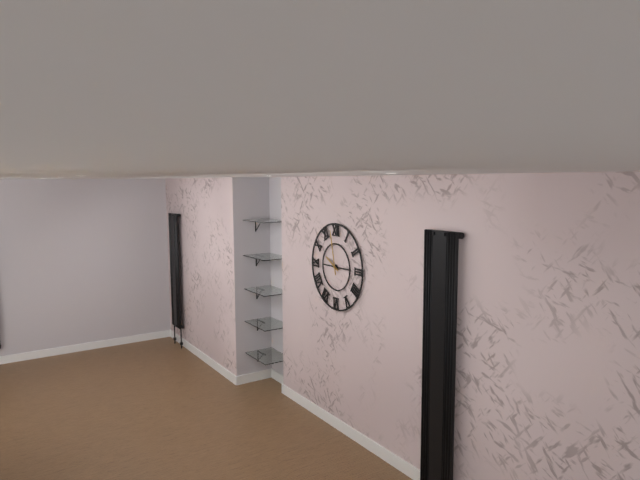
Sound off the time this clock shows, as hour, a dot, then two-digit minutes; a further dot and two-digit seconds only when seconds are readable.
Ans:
9.58
